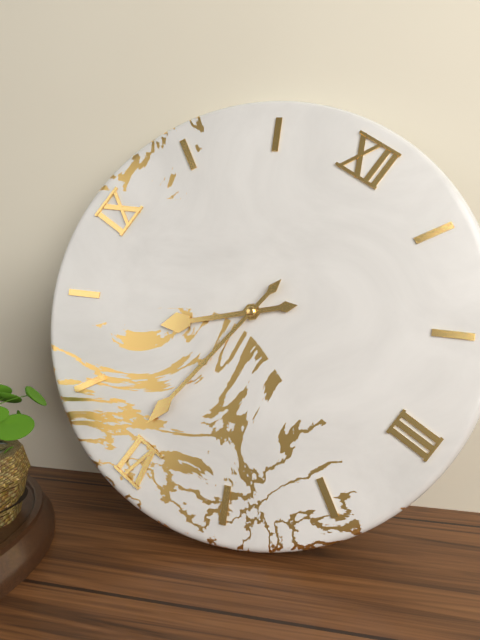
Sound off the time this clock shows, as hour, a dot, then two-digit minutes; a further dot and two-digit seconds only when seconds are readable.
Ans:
7.31
